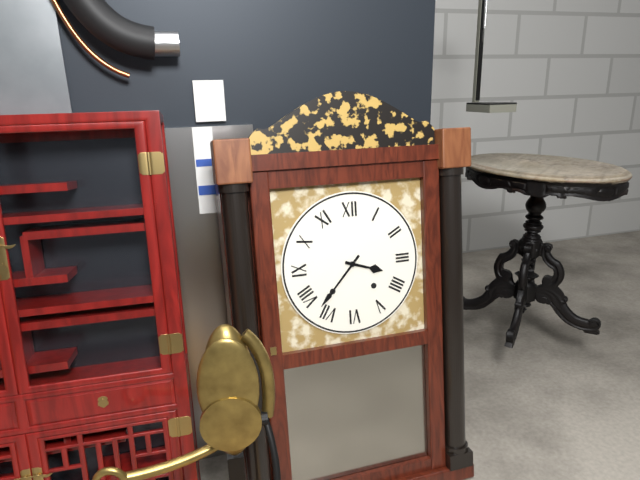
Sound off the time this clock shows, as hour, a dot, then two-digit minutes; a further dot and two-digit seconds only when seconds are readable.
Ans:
3.37
